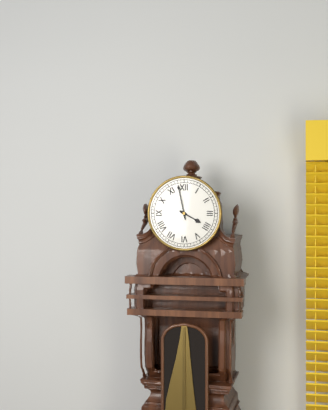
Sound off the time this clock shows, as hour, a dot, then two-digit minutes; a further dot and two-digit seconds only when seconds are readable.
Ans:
3.58
